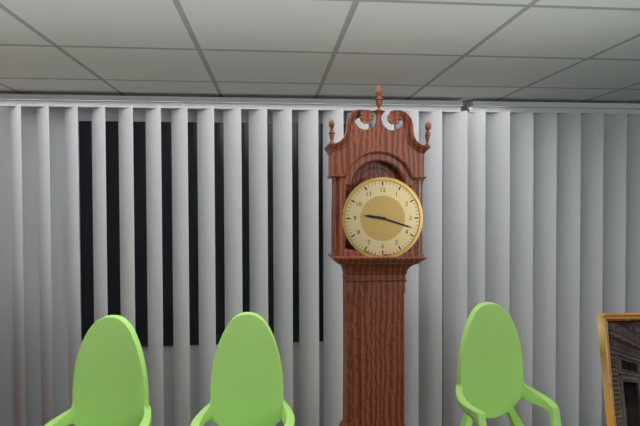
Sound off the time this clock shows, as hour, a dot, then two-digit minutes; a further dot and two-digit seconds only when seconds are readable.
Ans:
9.18
